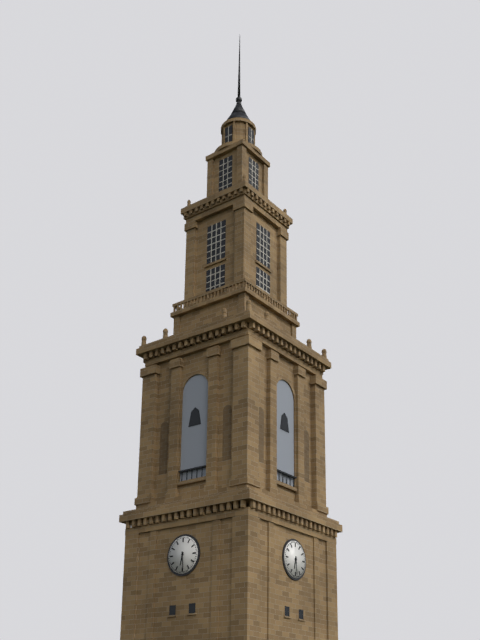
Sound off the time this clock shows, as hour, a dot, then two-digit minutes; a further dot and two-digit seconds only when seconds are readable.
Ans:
6.29
